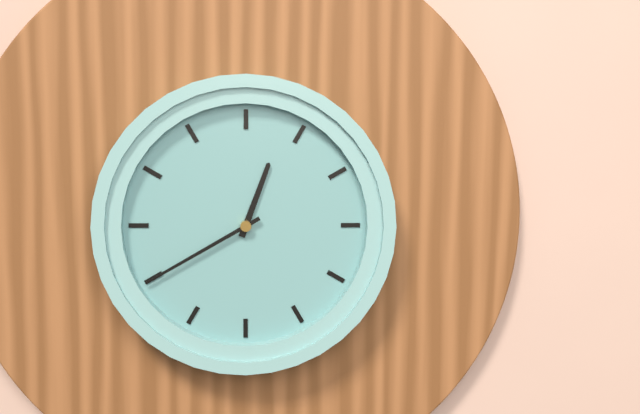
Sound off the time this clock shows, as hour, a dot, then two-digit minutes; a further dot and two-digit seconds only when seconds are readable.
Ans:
12.40
